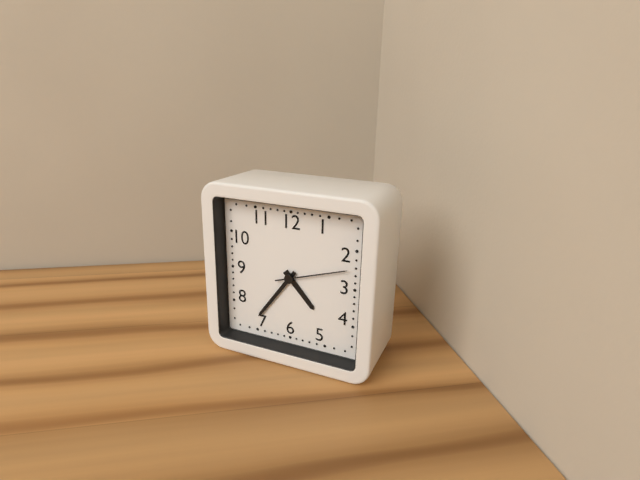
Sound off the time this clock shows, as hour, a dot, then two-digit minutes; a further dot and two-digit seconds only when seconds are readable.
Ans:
4.36.12
